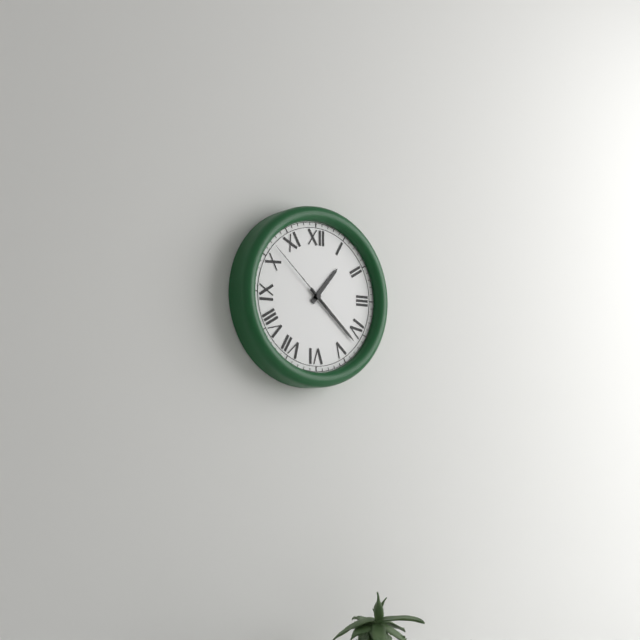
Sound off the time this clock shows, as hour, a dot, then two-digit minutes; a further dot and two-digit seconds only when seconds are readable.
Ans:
1.22.52
